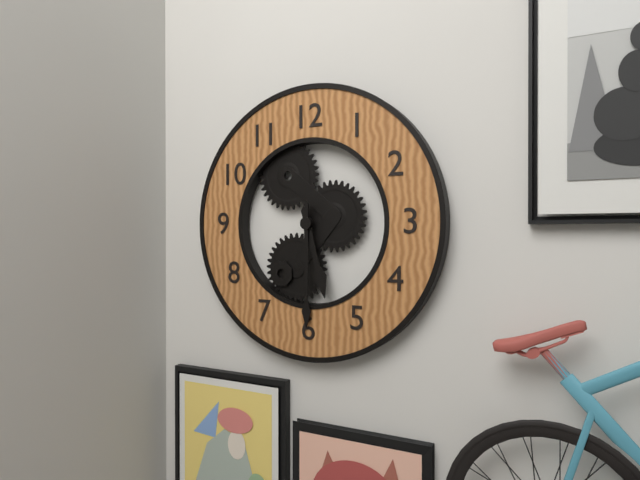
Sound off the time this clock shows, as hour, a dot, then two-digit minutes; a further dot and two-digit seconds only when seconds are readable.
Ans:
5.30
